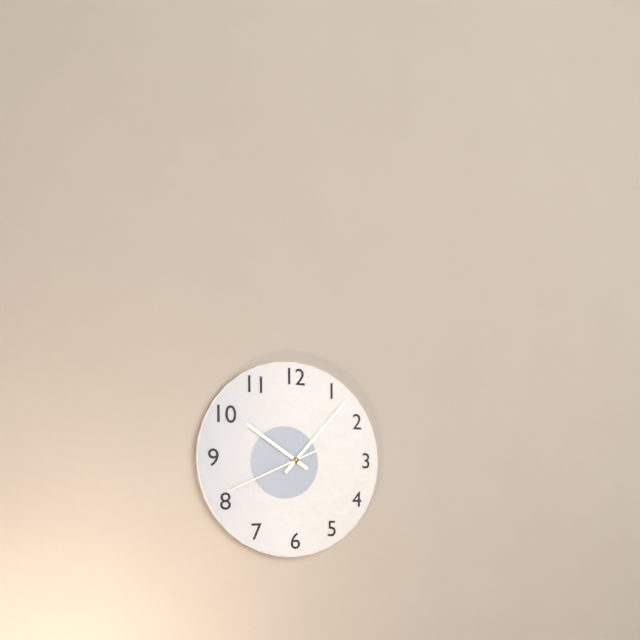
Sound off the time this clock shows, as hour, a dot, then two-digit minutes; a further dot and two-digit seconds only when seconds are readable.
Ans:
10.07.41
